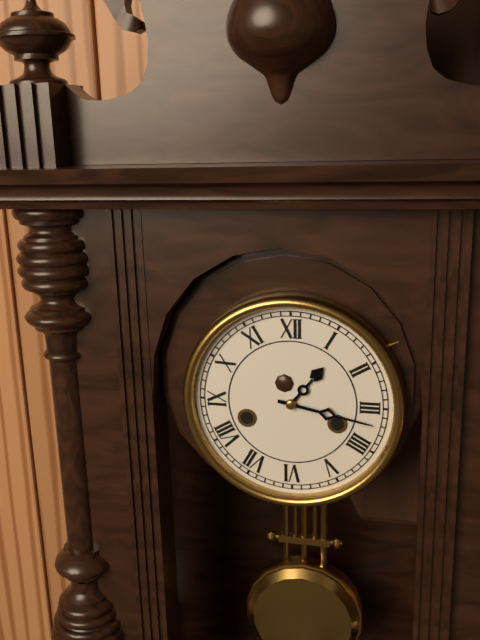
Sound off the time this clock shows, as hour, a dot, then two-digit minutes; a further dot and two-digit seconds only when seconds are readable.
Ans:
1.17
